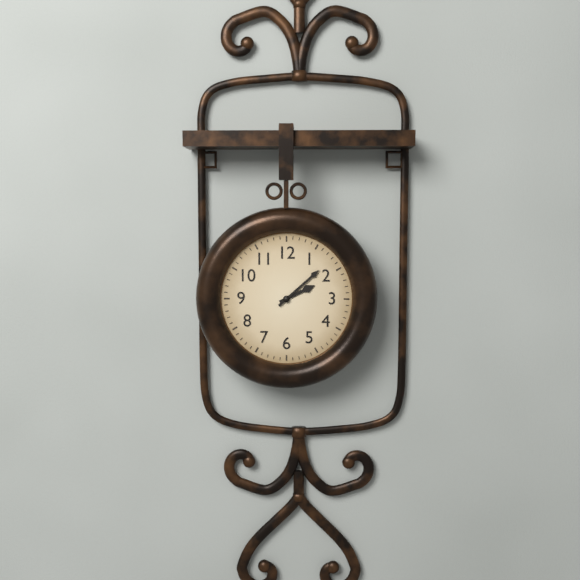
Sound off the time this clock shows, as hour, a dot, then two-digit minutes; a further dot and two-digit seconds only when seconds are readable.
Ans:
2.08
